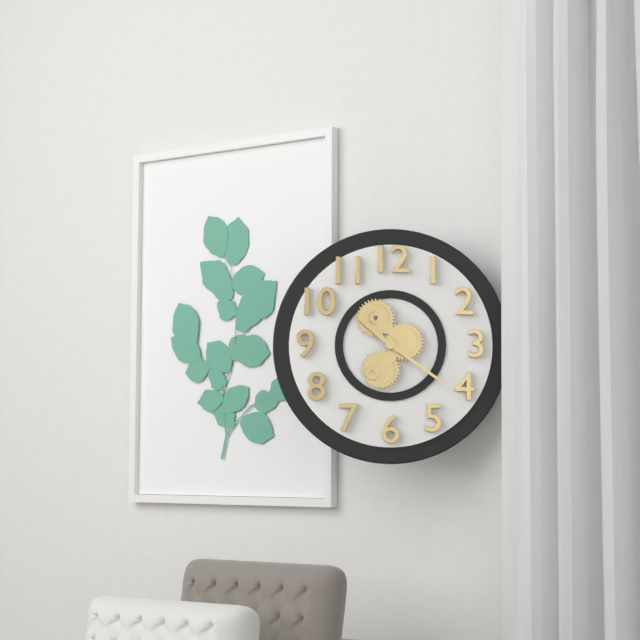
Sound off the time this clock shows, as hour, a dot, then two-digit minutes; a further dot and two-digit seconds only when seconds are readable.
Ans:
10.21
